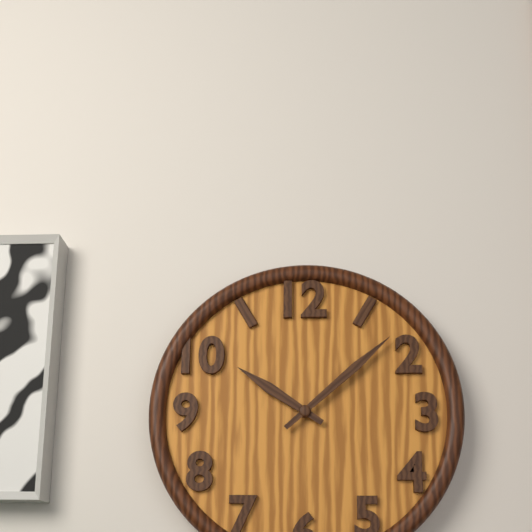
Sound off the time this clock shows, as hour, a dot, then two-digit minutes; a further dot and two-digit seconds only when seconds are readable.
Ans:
10.08
